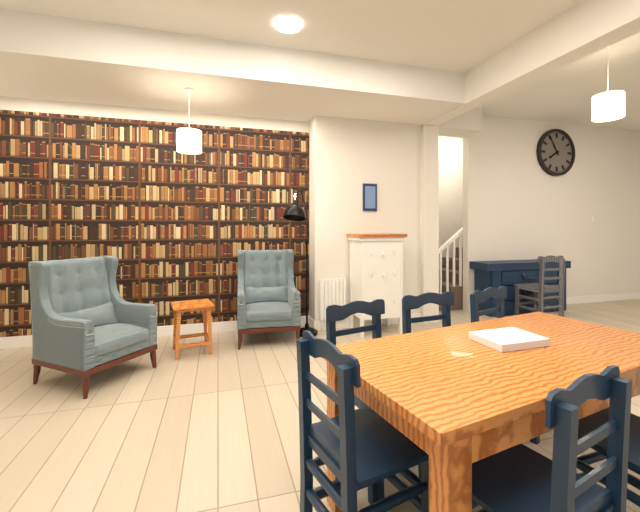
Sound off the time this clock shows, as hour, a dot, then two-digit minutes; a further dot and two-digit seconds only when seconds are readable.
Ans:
7.55
